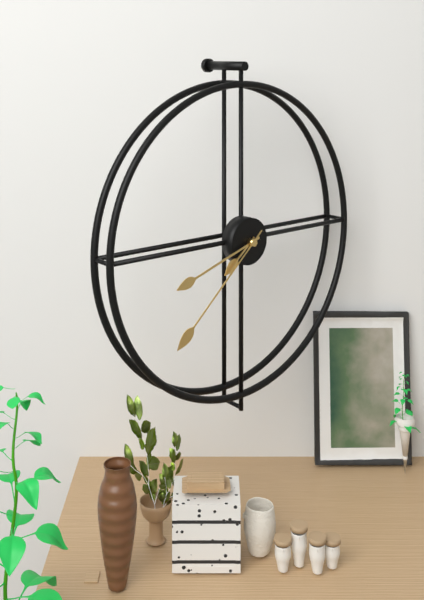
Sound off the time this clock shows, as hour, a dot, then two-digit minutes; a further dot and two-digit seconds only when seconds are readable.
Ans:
7.42.38
